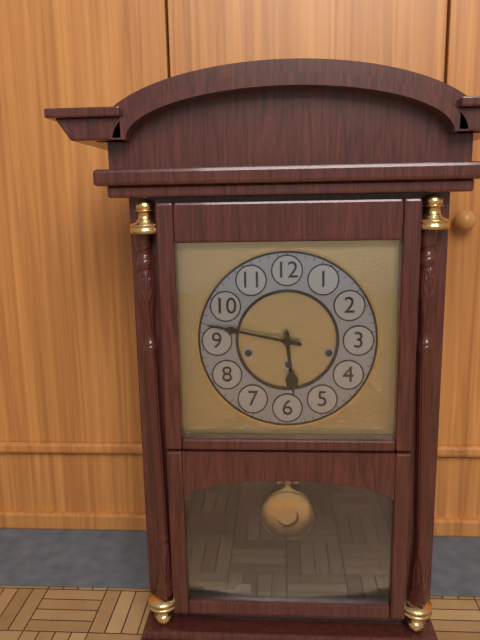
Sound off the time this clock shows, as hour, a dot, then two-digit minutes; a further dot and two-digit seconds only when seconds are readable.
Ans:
5.47
